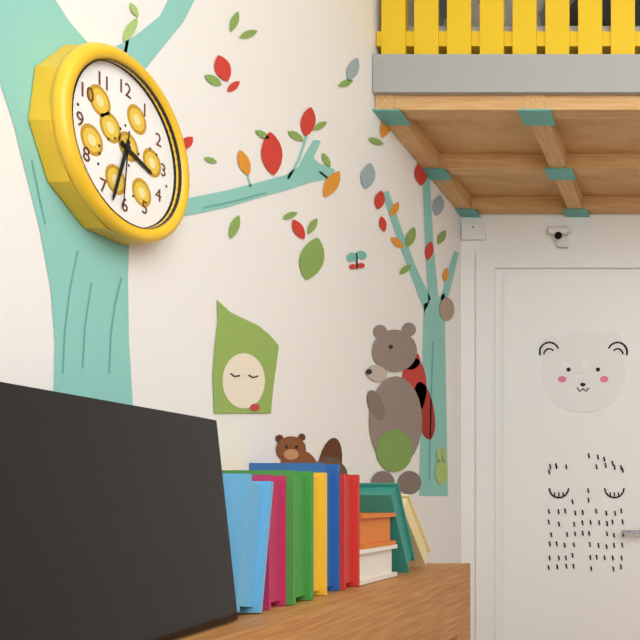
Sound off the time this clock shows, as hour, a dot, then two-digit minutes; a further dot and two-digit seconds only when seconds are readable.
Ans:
3.33.31
